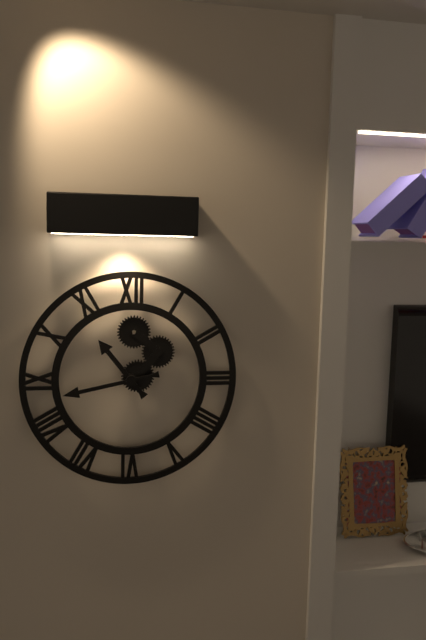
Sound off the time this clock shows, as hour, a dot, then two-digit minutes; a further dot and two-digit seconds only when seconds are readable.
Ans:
10.43
